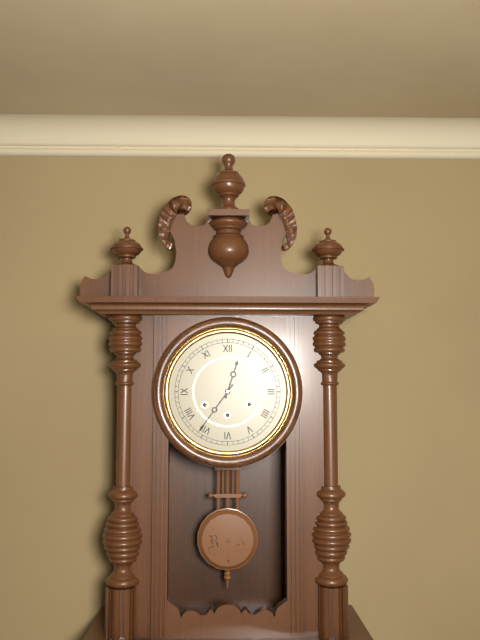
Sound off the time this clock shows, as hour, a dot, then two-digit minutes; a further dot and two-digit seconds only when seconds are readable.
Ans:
12.36
